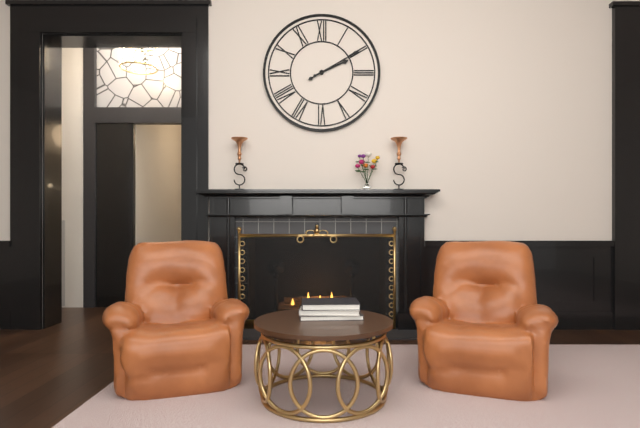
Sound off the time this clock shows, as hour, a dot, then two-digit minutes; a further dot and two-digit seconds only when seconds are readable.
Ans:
2.10
